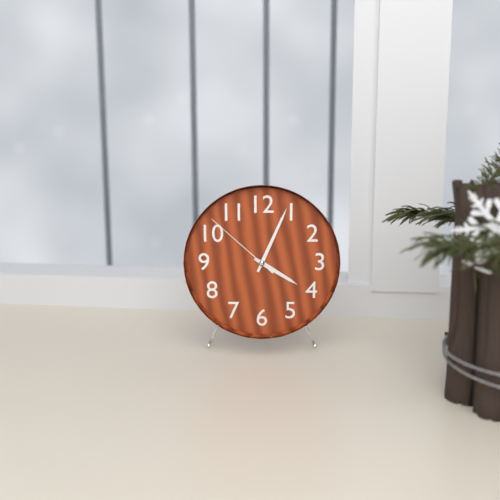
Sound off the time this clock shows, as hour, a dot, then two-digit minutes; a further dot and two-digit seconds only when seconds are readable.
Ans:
4.04.52
